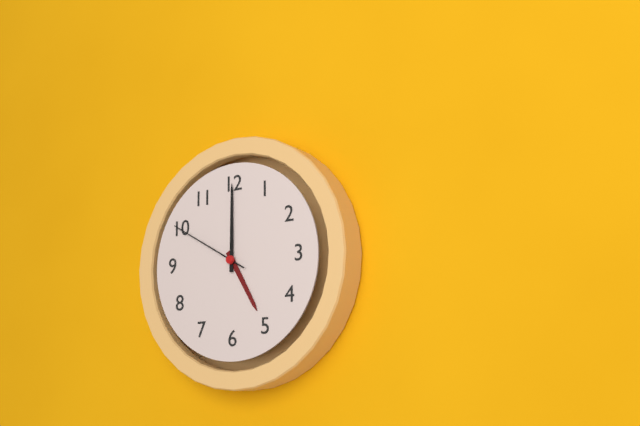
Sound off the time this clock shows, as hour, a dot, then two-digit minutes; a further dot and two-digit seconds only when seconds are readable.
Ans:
5.00.50
